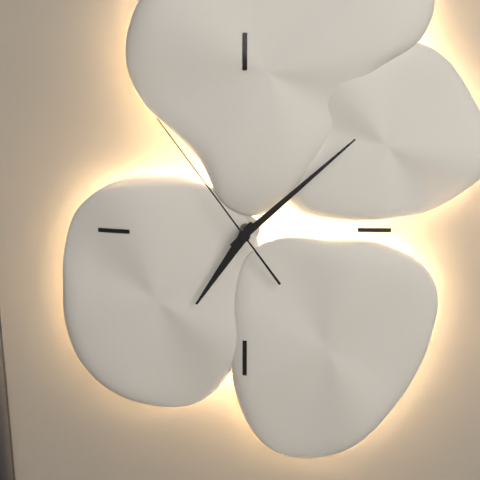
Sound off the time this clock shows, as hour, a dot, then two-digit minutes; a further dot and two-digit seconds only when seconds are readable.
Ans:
7.08.54
